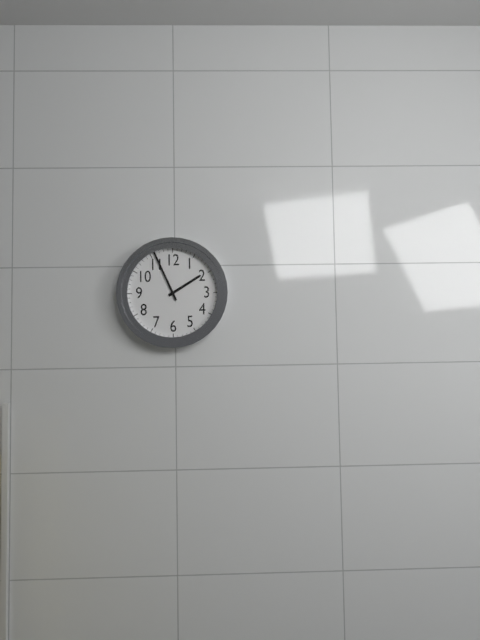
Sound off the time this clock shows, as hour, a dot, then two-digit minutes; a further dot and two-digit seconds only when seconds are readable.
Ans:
1.56
